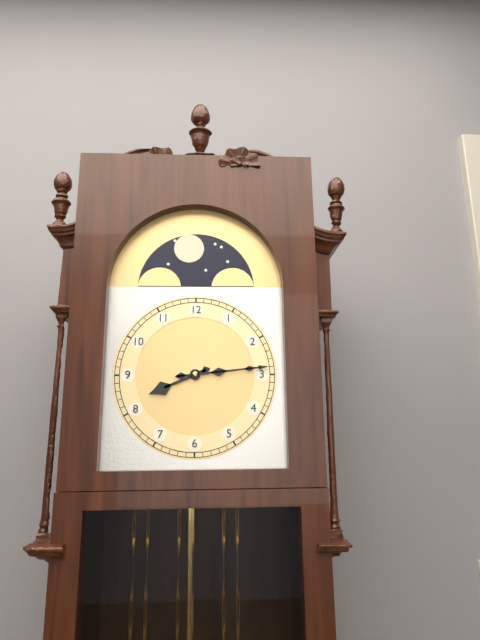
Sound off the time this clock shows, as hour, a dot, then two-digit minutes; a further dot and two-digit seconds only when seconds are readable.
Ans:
8.14
